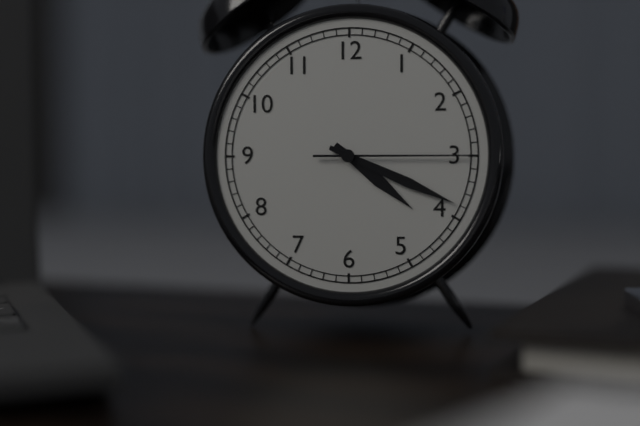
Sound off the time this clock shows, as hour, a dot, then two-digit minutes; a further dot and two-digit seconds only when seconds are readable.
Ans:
4.19.15
